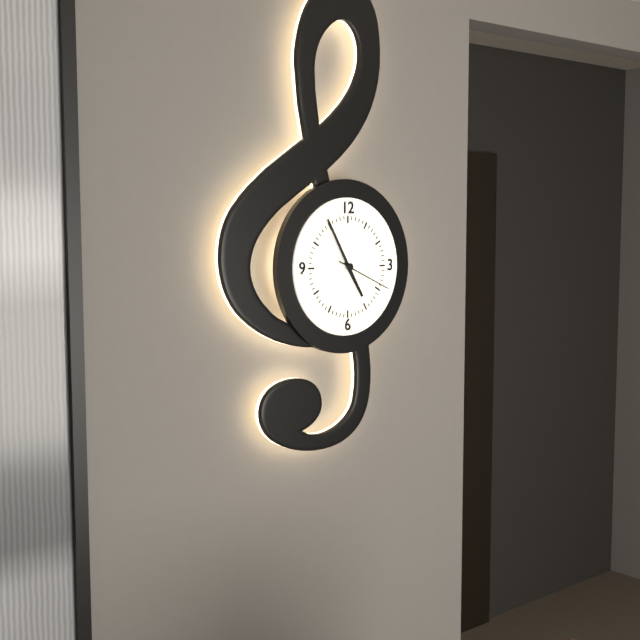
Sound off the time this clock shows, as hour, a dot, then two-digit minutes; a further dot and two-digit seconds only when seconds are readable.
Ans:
4.55.19
